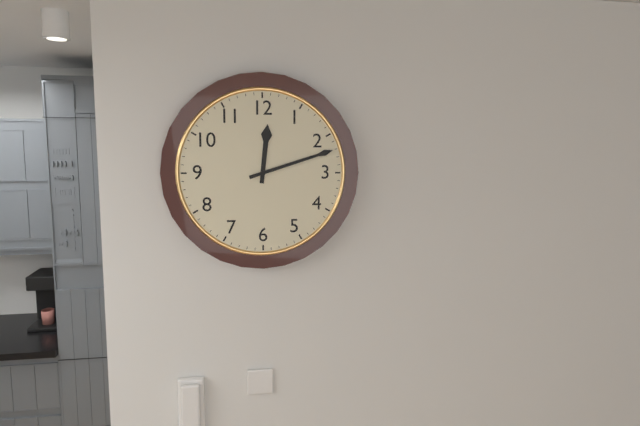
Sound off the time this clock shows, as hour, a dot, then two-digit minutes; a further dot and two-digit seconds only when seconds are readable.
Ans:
12.12
